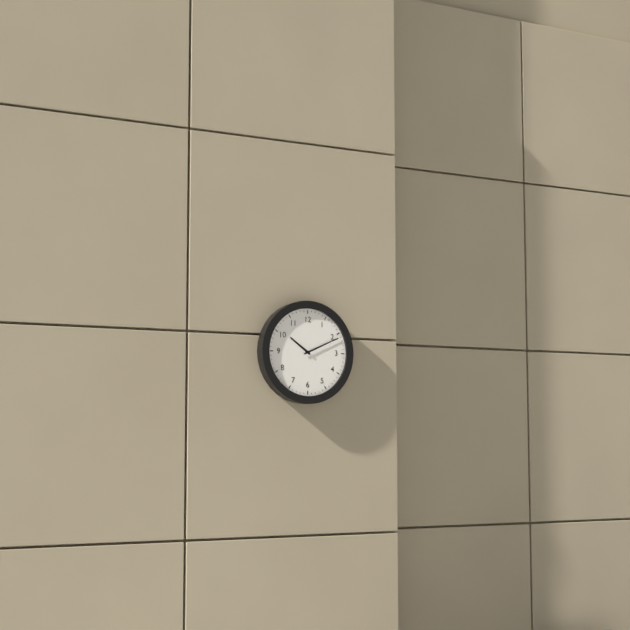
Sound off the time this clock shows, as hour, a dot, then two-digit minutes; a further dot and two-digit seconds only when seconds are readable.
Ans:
10.11
